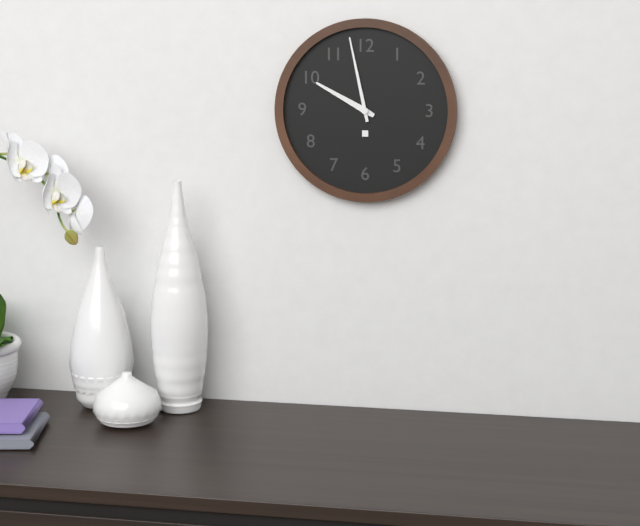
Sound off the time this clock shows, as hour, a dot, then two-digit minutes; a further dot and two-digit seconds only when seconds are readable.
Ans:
9.58
